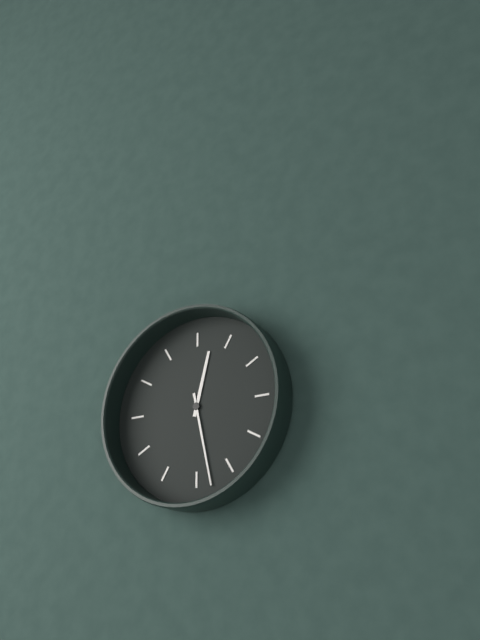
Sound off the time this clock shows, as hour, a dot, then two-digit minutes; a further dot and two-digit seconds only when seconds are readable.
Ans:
12.28
